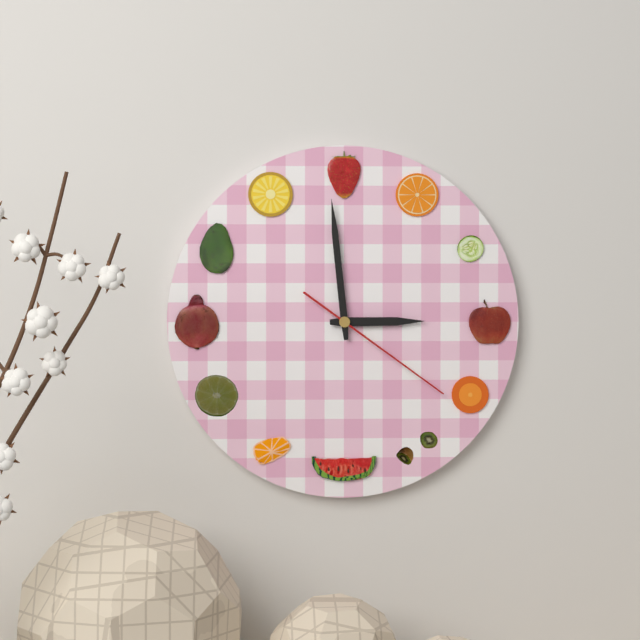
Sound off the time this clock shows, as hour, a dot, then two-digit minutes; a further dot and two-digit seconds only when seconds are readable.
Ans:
2.59.21
